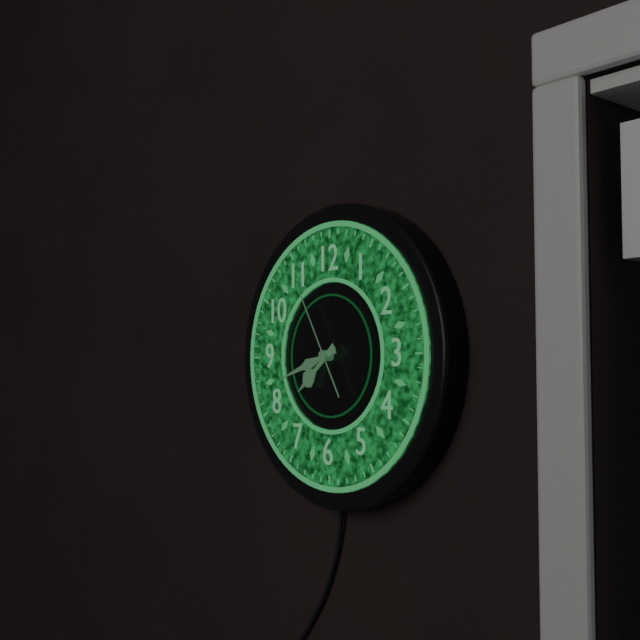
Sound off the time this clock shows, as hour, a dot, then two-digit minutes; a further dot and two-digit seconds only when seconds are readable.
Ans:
7.42.55
